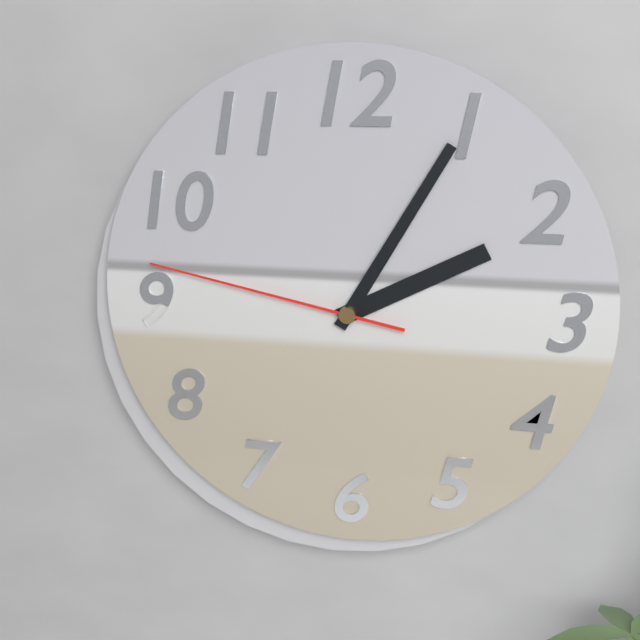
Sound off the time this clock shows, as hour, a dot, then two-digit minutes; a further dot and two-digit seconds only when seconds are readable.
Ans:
2.05.47
